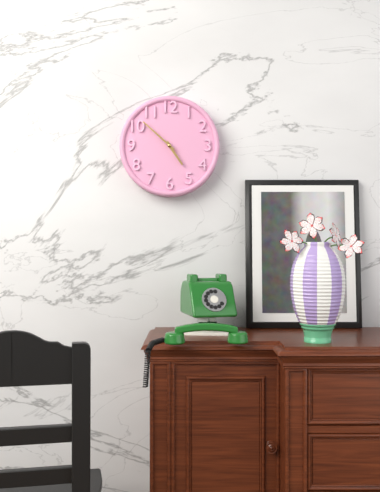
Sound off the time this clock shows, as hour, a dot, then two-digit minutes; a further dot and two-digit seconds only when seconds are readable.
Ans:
4.52
